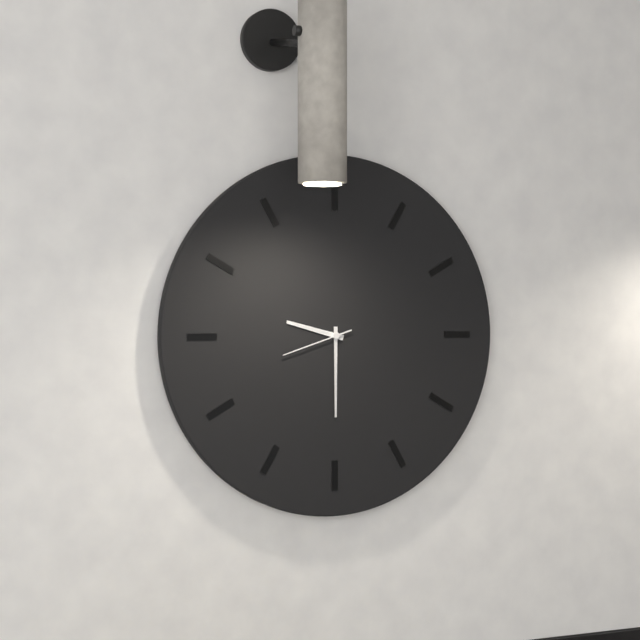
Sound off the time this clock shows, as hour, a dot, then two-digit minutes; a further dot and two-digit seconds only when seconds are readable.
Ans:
9.30.42
